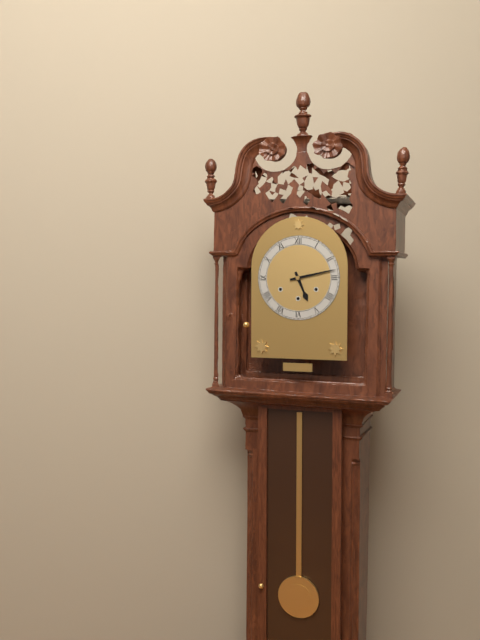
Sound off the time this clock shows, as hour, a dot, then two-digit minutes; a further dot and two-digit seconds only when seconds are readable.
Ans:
5.13
